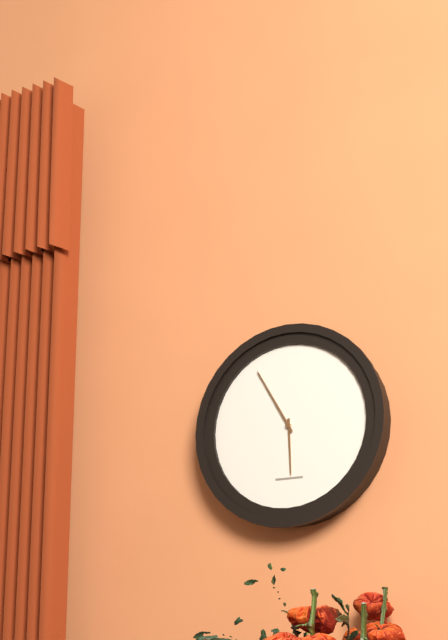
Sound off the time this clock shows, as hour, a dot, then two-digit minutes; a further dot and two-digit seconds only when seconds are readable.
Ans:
5.55
